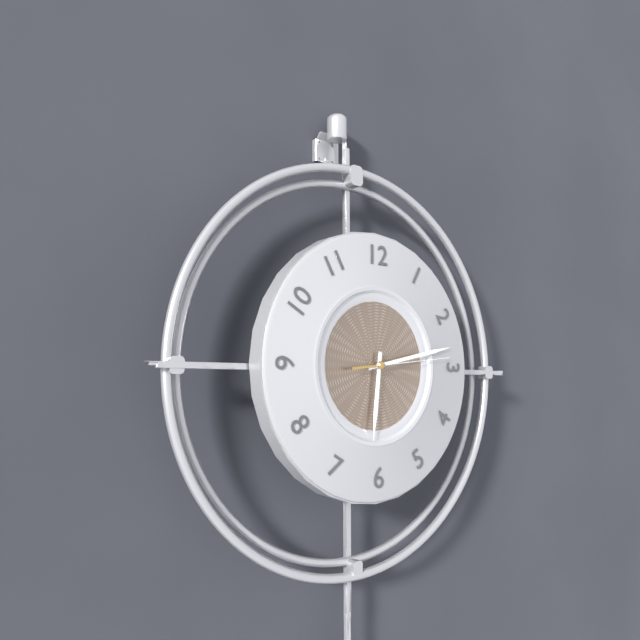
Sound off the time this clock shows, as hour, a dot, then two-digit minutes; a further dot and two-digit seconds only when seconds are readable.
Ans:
6.13.14
